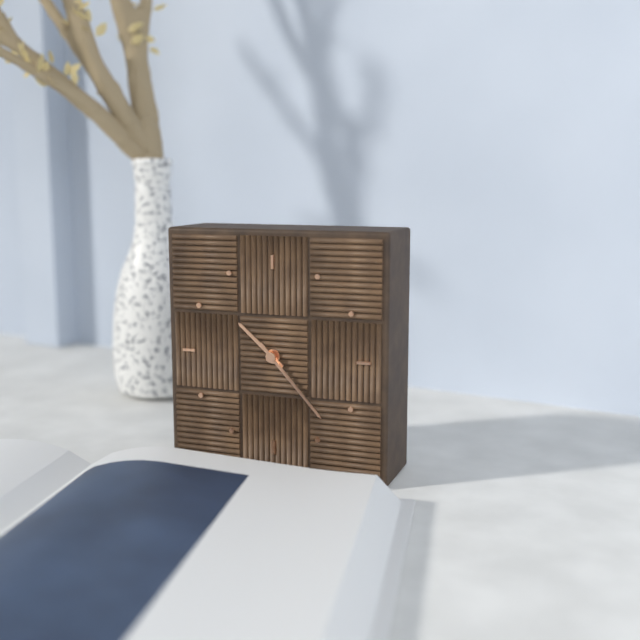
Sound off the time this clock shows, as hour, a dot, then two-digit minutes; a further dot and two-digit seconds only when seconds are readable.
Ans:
10.23
